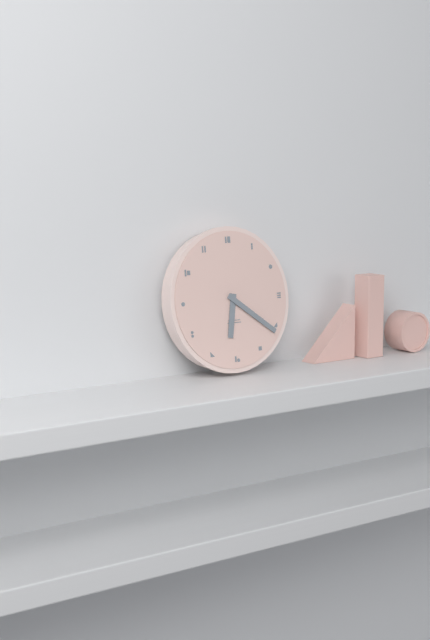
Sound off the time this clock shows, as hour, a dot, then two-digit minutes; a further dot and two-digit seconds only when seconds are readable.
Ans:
6.21
